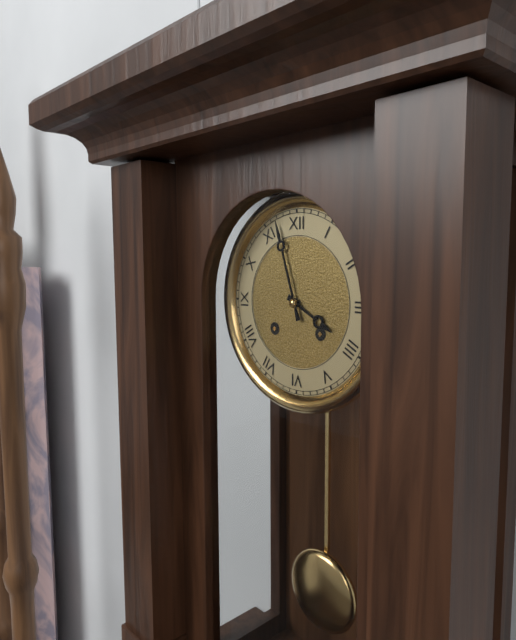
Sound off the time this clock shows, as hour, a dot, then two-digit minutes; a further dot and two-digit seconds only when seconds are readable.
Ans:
3.57
